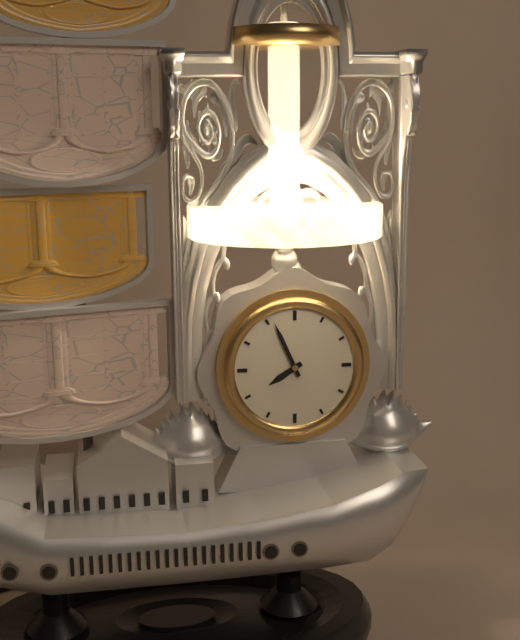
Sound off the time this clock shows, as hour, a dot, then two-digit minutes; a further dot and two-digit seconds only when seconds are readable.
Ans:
7.56
